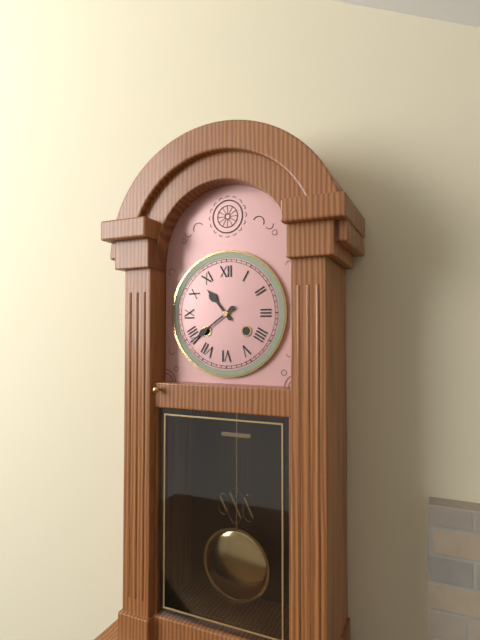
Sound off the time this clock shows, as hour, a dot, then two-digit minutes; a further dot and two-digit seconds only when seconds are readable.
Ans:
10.39
